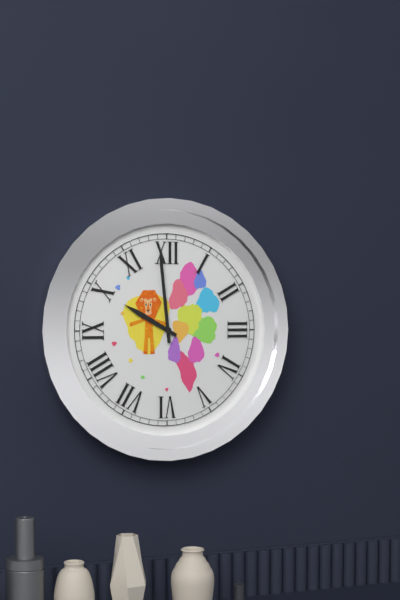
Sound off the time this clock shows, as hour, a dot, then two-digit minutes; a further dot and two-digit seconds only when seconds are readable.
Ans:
9.59
